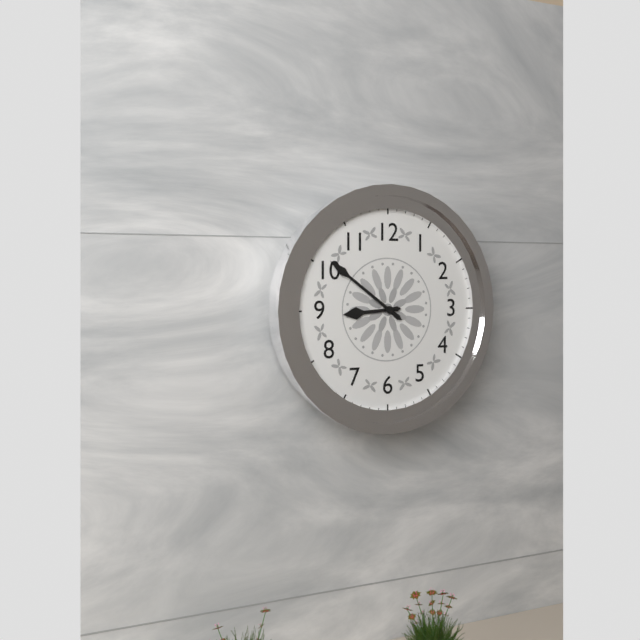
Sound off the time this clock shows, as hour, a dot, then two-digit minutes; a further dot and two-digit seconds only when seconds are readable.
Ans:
8.51
